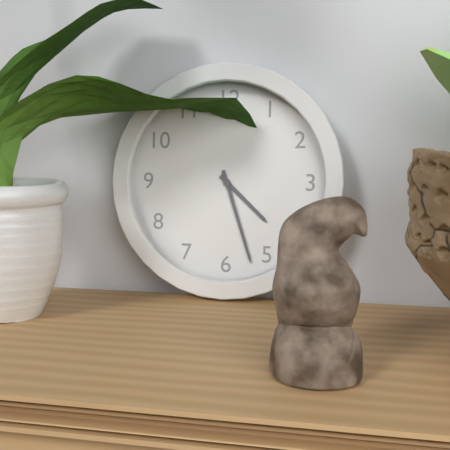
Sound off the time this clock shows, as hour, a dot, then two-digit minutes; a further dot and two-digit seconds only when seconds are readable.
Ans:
4.27
